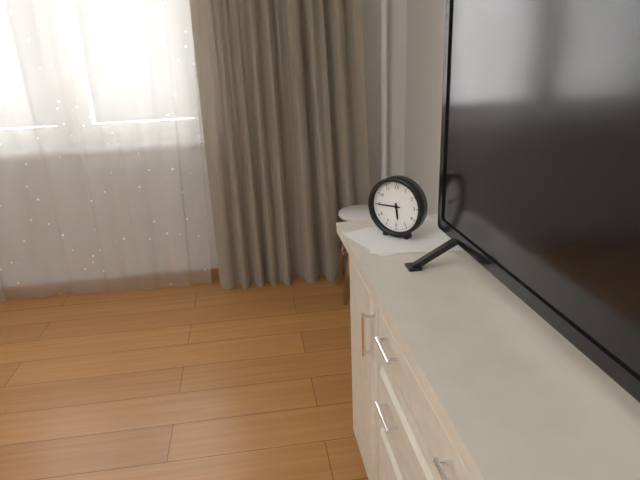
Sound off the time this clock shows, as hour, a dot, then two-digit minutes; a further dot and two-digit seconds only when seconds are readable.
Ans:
5.45
